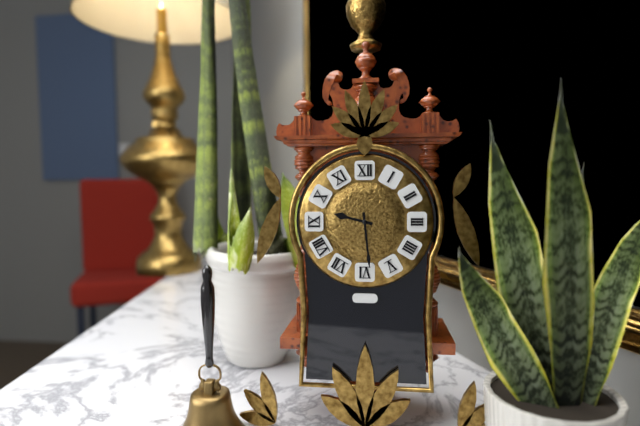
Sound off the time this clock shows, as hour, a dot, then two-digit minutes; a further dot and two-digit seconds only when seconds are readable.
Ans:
9.29
